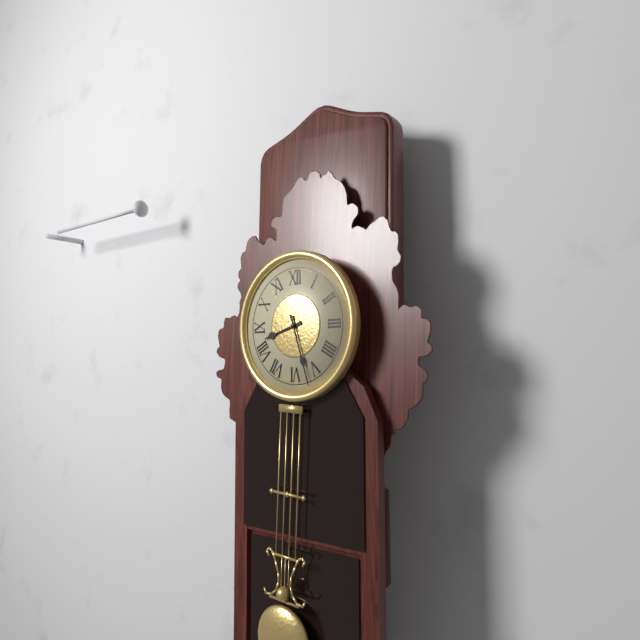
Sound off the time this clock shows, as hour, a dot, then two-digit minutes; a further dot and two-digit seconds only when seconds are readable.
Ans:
8.27
